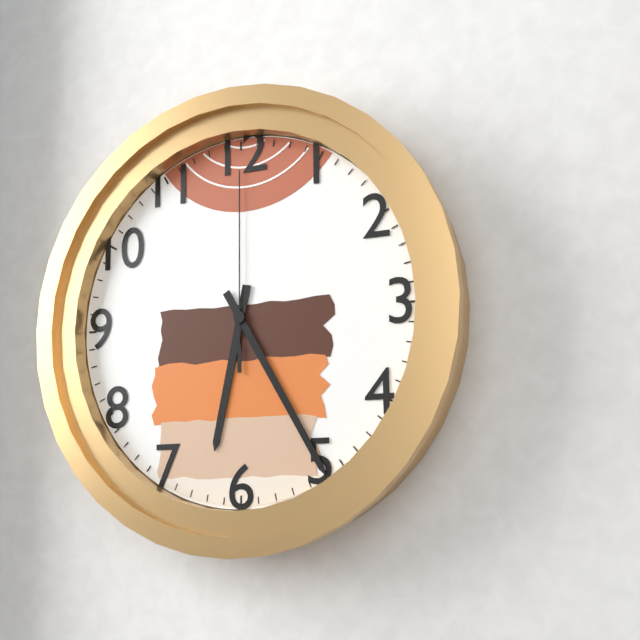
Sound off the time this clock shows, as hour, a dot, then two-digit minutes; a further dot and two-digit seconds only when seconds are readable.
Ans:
6.25.00
